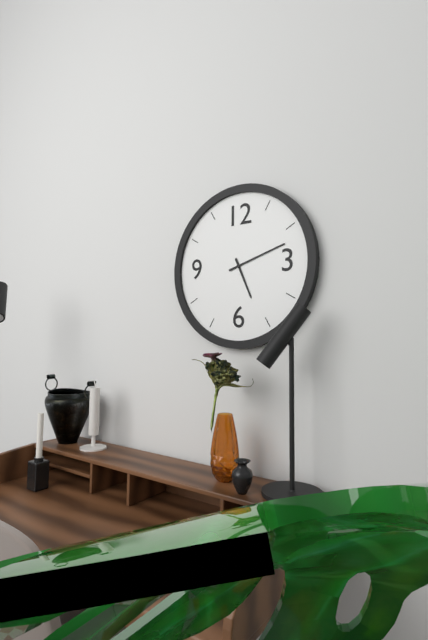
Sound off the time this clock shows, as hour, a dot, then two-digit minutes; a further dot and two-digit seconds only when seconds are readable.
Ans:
5.12
